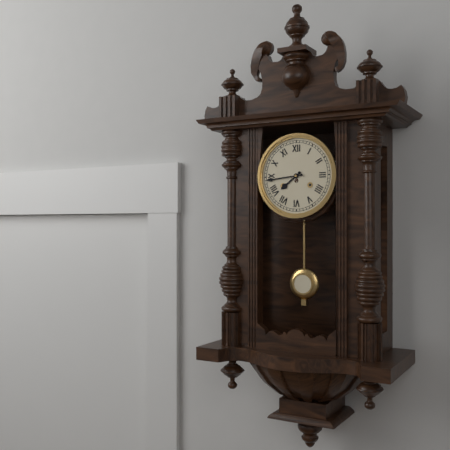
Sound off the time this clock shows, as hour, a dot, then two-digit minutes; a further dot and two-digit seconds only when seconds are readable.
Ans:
7.44
